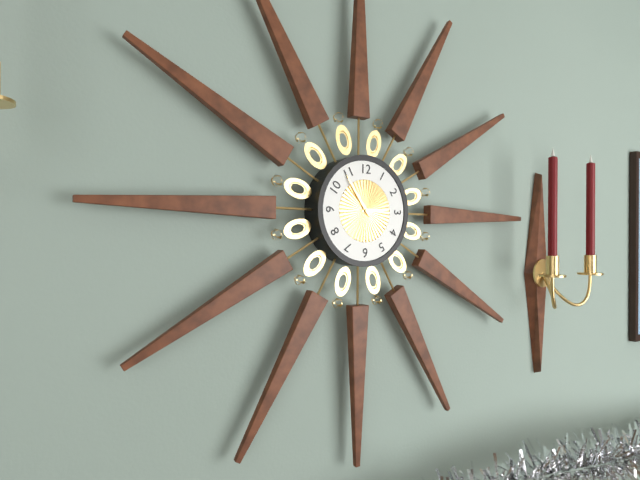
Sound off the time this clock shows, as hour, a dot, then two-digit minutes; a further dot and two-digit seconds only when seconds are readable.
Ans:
2.54
